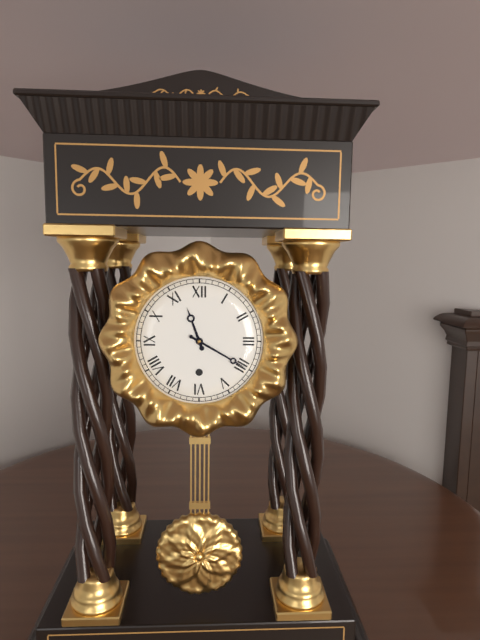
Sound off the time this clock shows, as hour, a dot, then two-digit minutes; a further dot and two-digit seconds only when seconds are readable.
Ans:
11.20
